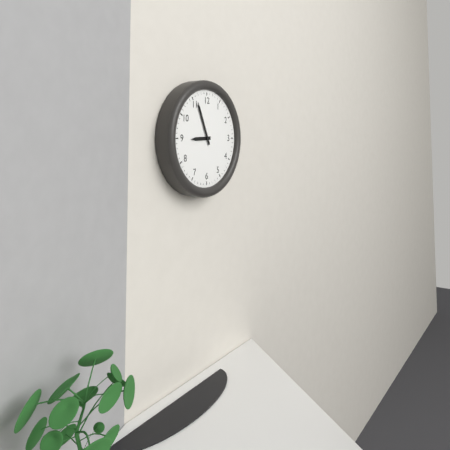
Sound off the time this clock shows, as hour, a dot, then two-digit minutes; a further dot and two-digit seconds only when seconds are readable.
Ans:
8.56
